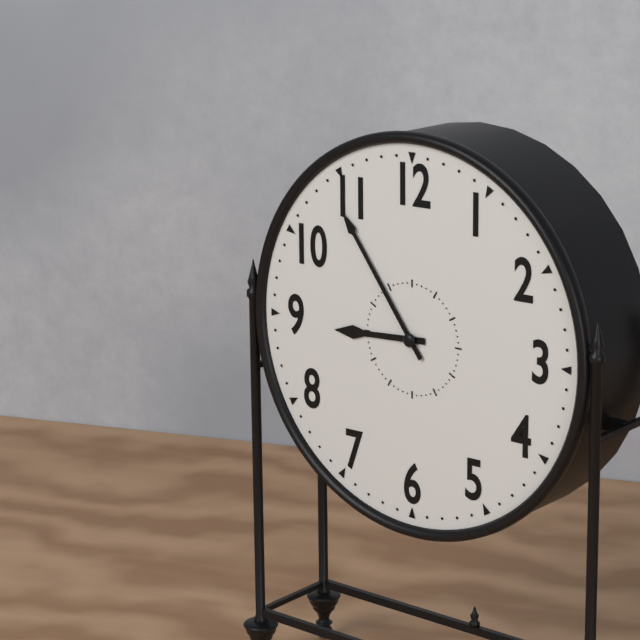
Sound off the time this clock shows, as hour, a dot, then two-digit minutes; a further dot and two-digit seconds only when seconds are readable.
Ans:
8.54
